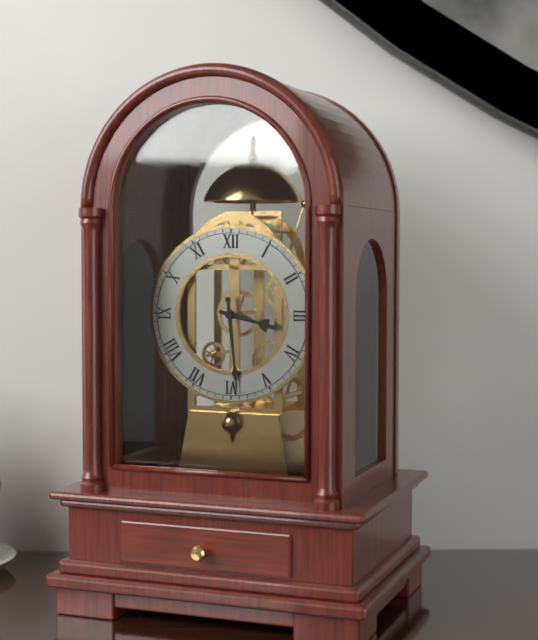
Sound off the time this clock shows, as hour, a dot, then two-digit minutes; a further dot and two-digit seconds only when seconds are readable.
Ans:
3.29
